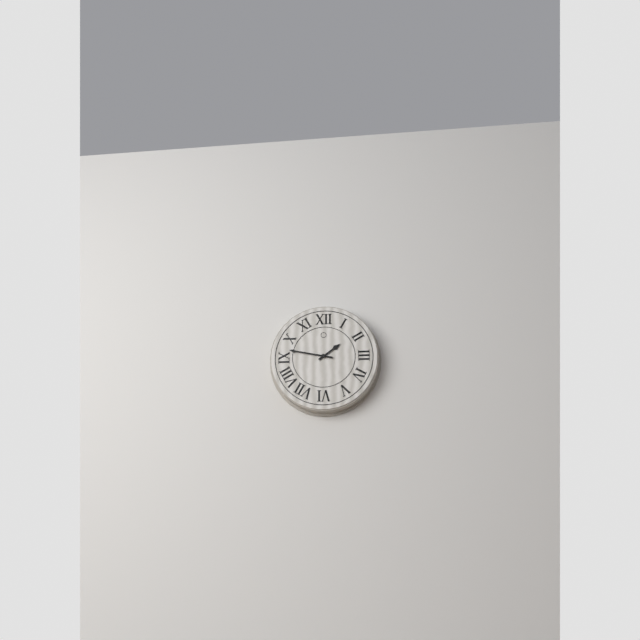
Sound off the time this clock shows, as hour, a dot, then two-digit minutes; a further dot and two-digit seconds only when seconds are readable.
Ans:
1.47
